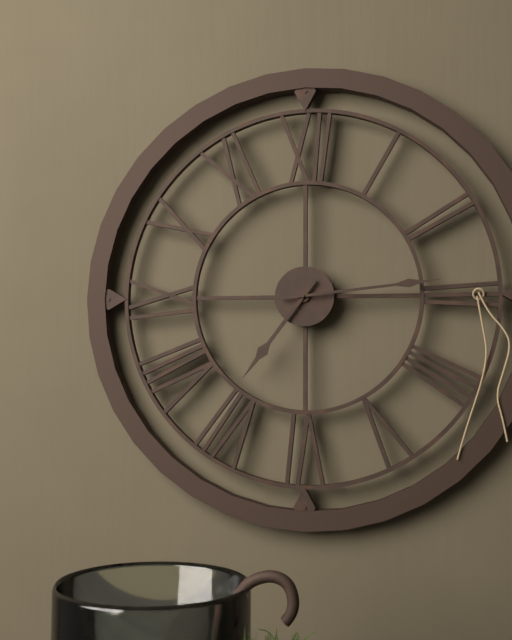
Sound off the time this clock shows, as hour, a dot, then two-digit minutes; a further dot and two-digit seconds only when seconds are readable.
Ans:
7.14
